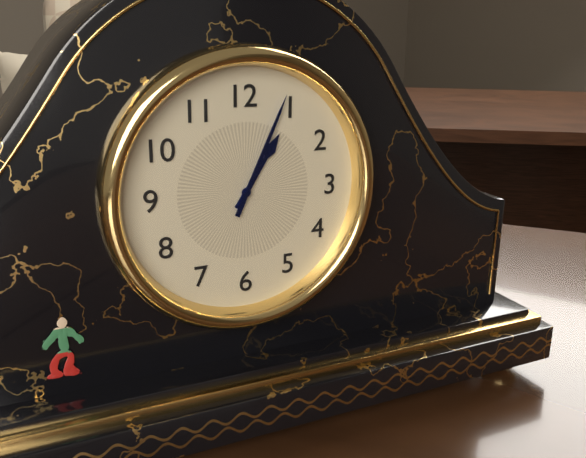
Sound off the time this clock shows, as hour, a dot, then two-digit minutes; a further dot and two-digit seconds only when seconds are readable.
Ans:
1.04
